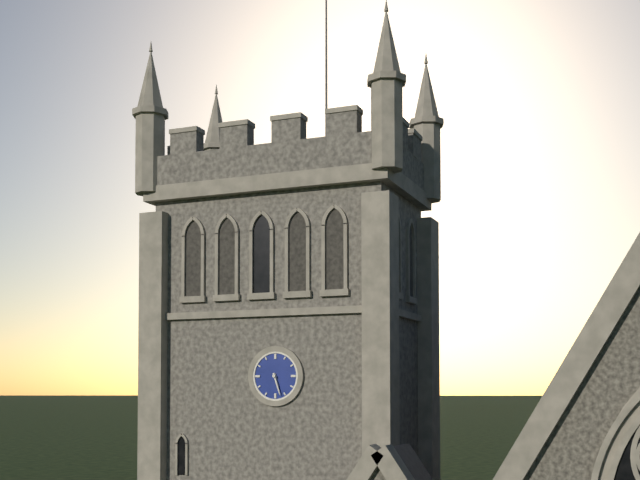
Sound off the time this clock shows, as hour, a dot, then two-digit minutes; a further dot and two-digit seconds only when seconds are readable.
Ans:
5.27
